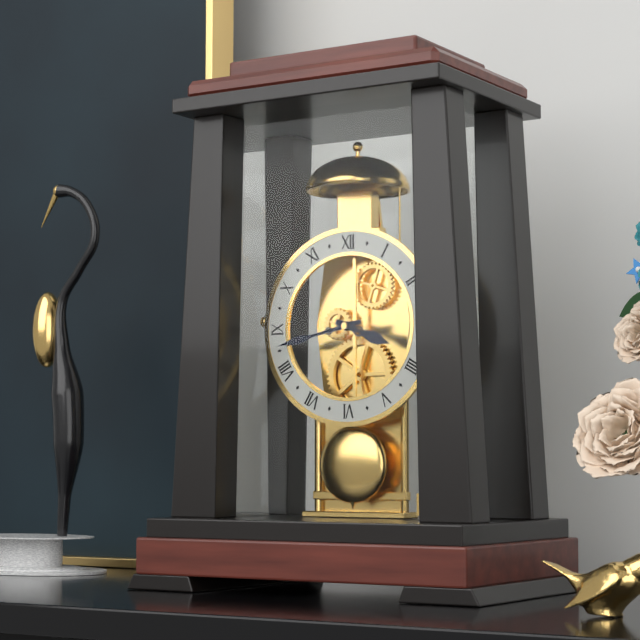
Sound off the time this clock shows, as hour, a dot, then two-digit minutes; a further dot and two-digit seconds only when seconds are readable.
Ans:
3.43
